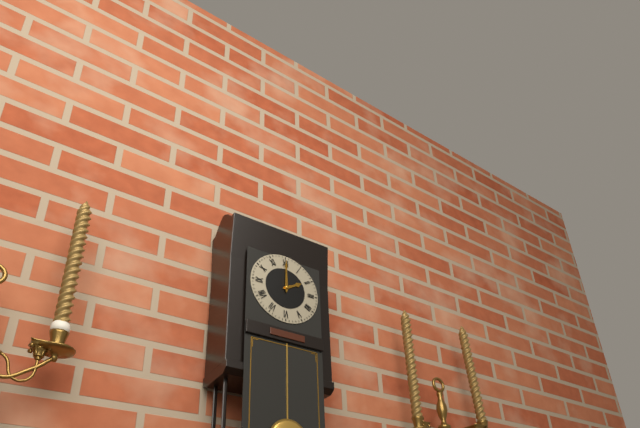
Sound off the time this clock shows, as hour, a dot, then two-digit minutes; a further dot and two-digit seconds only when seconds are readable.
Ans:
2.00
